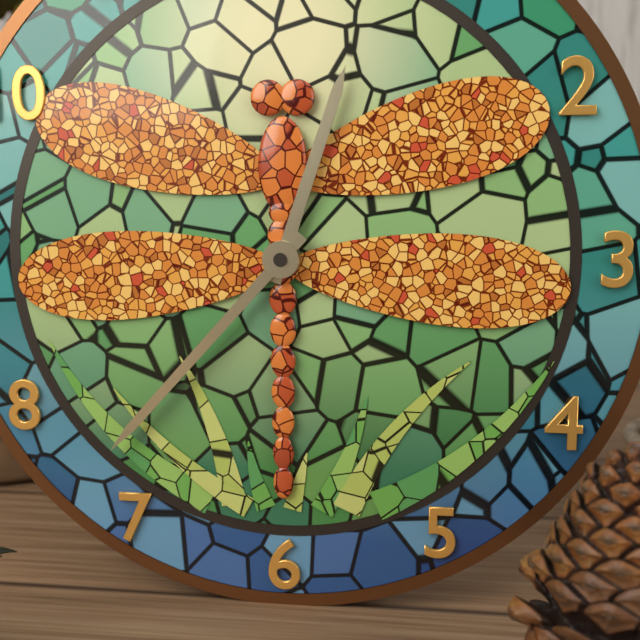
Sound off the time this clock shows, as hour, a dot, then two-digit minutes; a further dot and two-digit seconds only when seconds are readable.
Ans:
12.37
